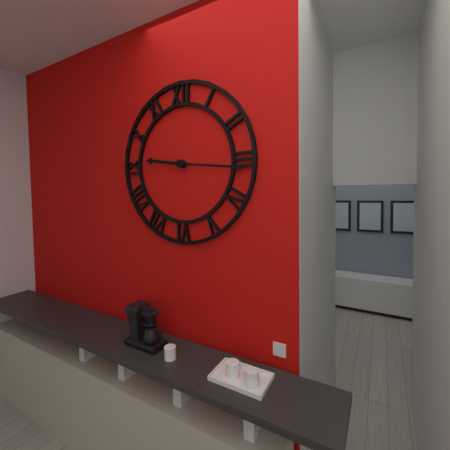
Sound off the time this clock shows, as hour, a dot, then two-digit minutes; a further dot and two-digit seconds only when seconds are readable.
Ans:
9.16
